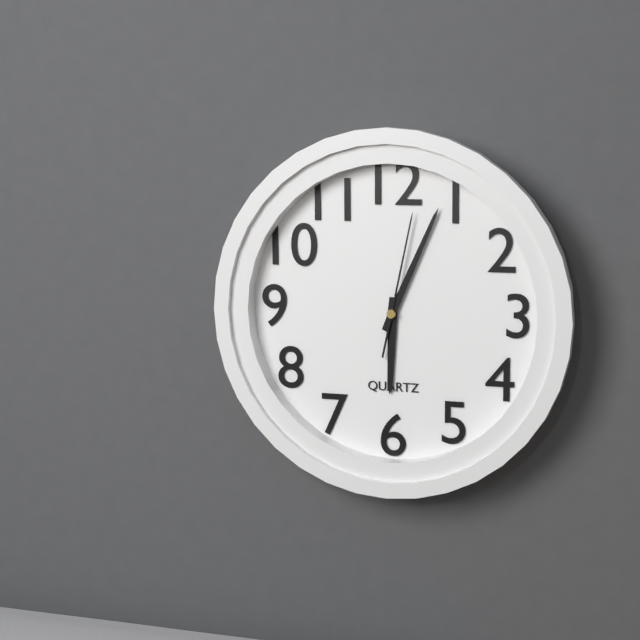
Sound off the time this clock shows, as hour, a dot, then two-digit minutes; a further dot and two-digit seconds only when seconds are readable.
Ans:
6.04.02
